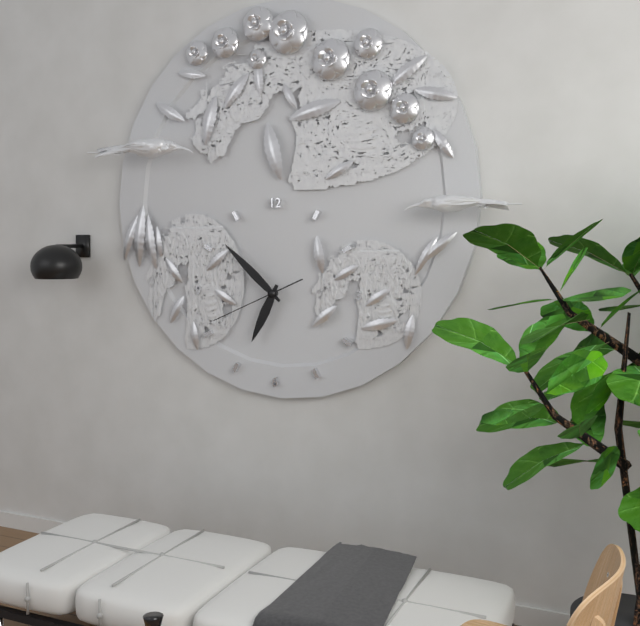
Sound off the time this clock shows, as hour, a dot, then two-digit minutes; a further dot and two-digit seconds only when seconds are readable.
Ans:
6.52.41
